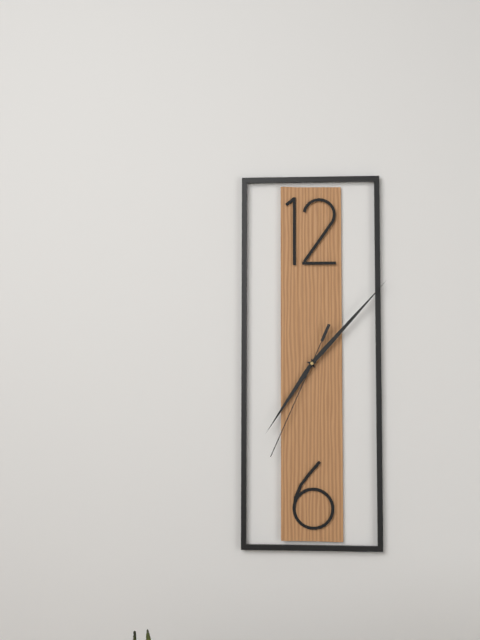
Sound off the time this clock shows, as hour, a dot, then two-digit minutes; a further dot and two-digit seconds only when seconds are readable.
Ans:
7.07.34
